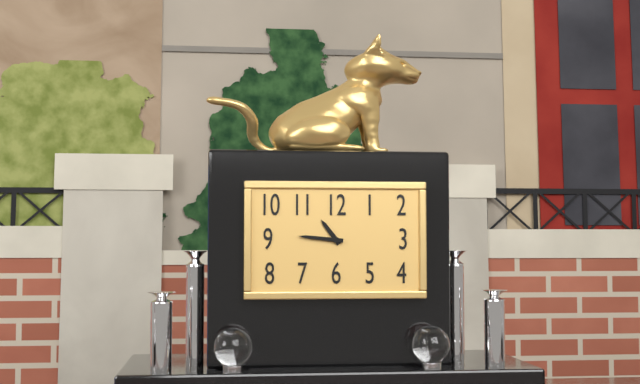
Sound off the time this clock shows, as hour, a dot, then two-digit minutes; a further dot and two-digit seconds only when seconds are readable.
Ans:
10.46
